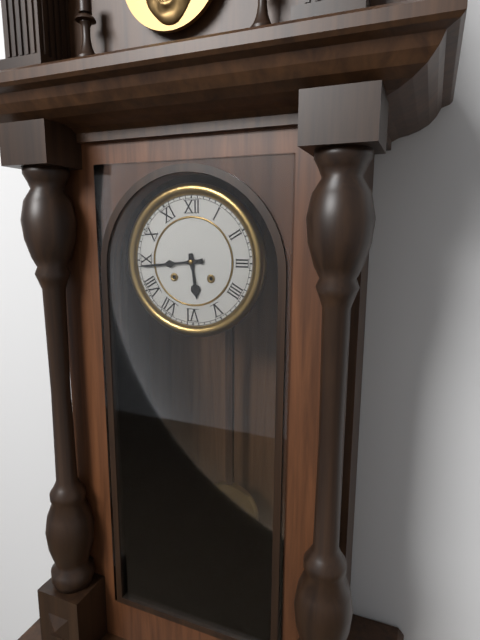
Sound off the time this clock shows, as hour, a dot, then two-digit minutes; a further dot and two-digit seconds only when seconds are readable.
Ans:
5.44
